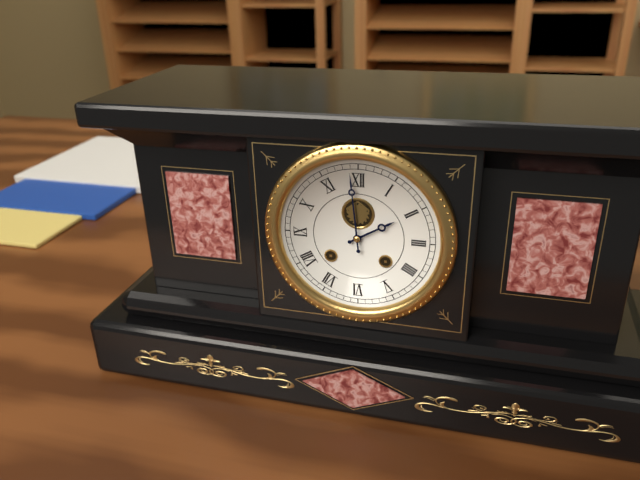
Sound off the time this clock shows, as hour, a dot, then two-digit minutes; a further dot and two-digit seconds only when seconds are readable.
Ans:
1.59
